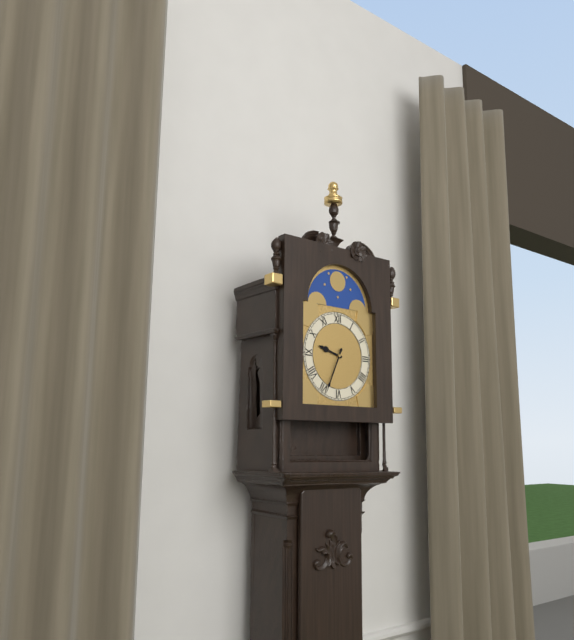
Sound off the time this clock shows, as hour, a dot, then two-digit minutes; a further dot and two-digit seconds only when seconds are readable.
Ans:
9.34
